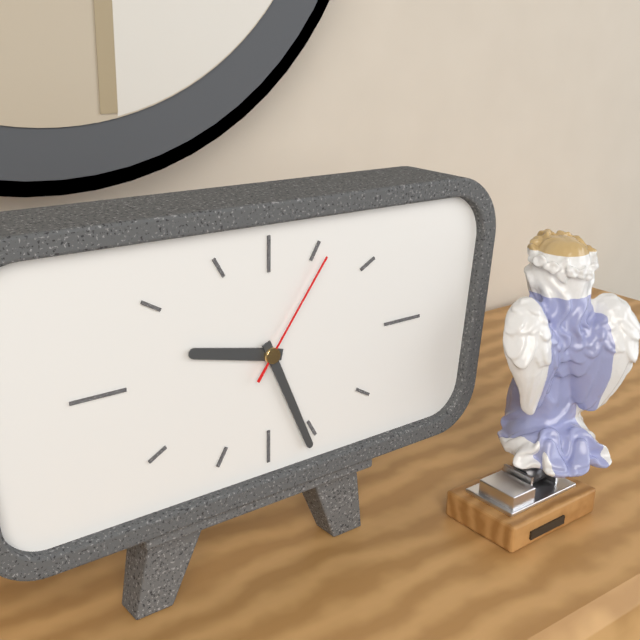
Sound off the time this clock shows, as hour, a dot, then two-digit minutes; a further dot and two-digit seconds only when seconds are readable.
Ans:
9.26.06
